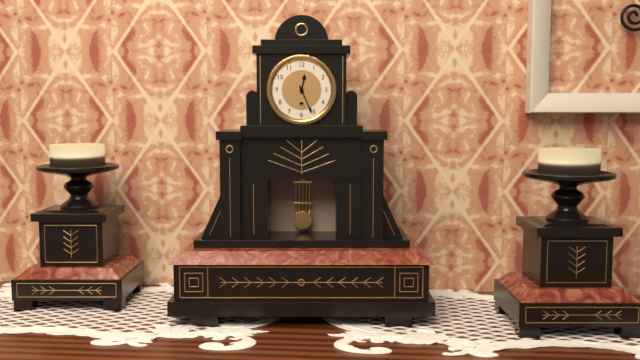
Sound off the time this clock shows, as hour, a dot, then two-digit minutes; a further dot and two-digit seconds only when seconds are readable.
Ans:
12.26
